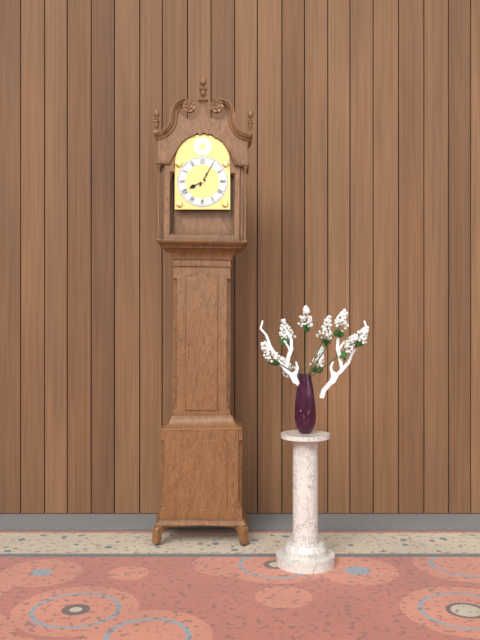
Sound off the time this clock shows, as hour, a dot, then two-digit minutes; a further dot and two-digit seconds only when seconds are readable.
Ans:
8.05
